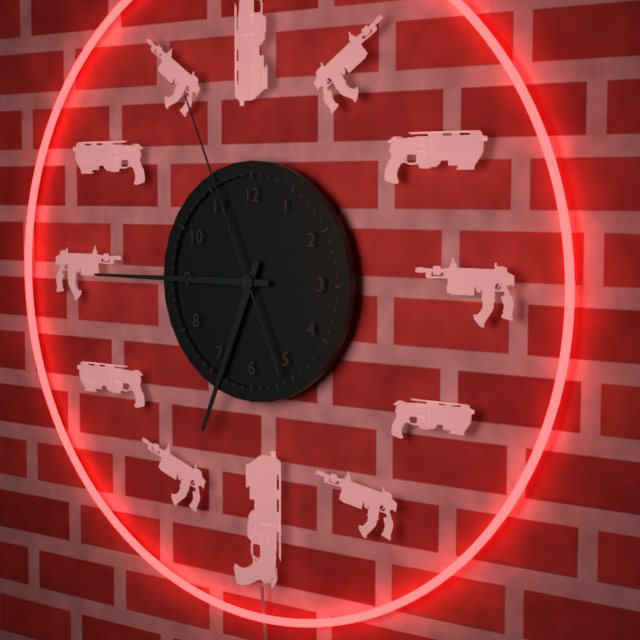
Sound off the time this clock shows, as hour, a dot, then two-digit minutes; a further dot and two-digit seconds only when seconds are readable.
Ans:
6.45.56
